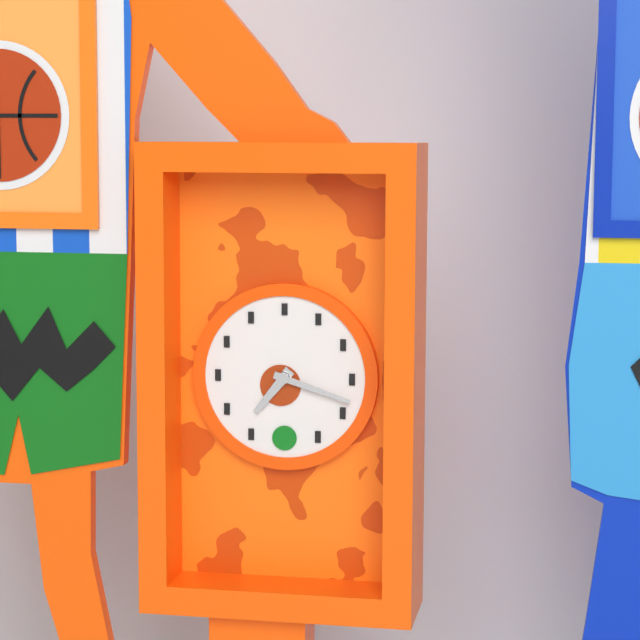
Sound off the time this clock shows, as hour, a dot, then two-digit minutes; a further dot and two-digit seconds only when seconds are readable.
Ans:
7.18
